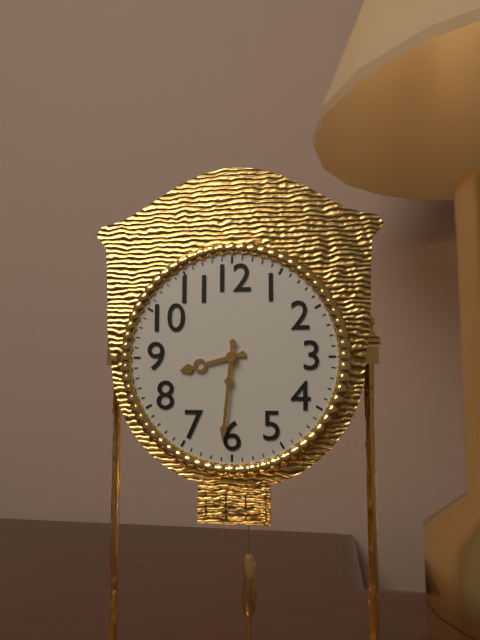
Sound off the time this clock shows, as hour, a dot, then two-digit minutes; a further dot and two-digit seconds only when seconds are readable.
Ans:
8.31
